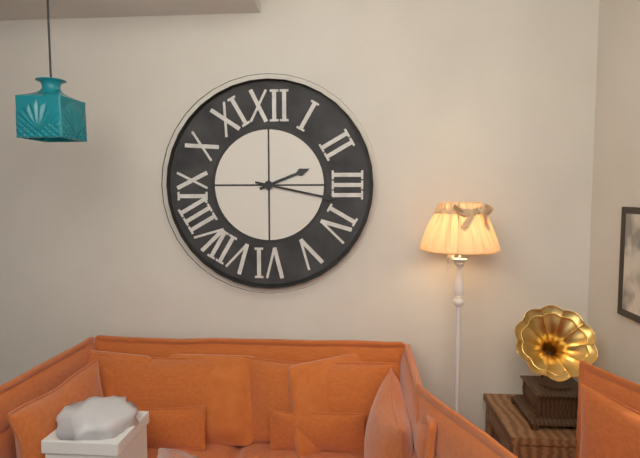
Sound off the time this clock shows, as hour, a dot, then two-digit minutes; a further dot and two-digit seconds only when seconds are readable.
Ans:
2.17
